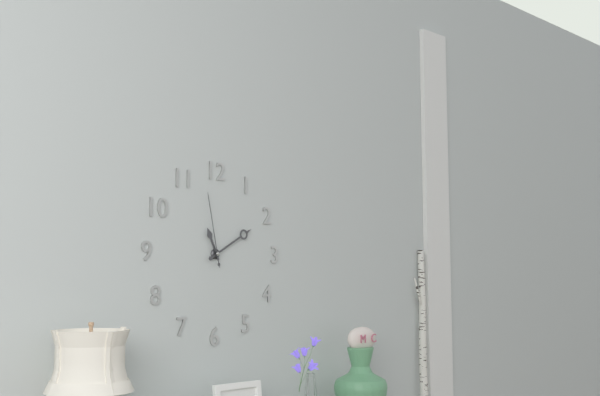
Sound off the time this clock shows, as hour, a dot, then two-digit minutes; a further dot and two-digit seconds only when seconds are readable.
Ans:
11.10.58
